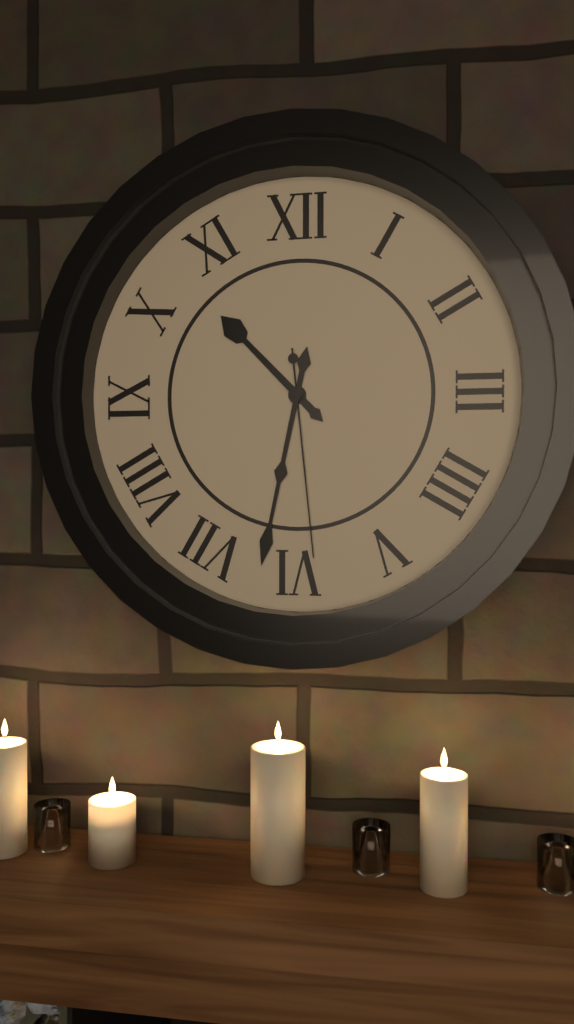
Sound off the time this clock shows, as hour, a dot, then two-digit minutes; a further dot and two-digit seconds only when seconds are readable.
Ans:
10.32.29
